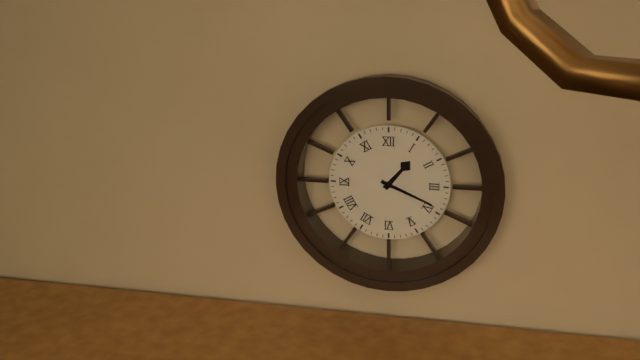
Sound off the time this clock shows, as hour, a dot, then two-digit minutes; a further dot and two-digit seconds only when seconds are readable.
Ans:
1.19
